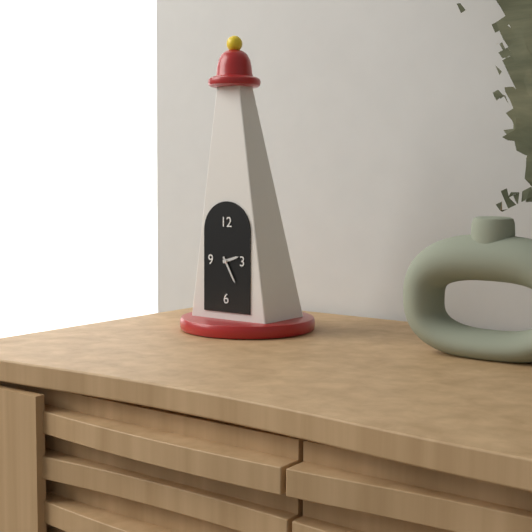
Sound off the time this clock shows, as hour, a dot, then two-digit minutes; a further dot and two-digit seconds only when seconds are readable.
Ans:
2.25
